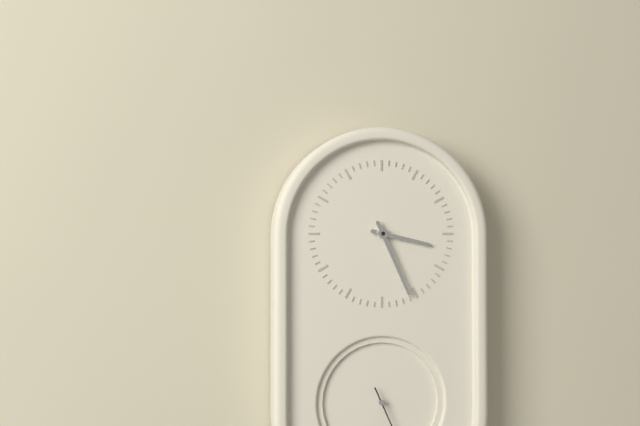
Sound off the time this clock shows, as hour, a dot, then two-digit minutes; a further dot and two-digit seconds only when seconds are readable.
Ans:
3.26
